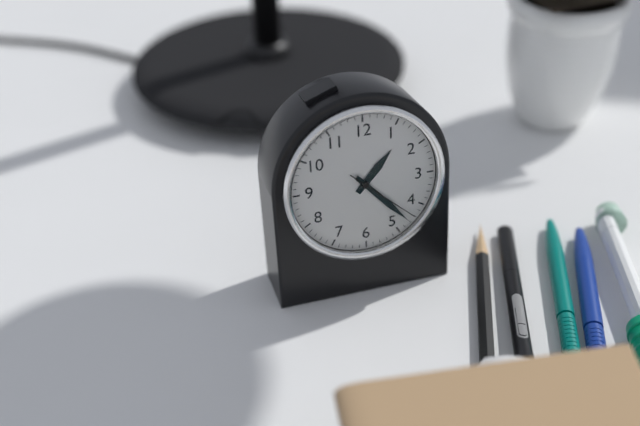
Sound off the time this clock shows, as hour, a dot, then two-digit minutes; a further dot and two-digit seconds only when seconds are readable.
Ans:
1.23.22
